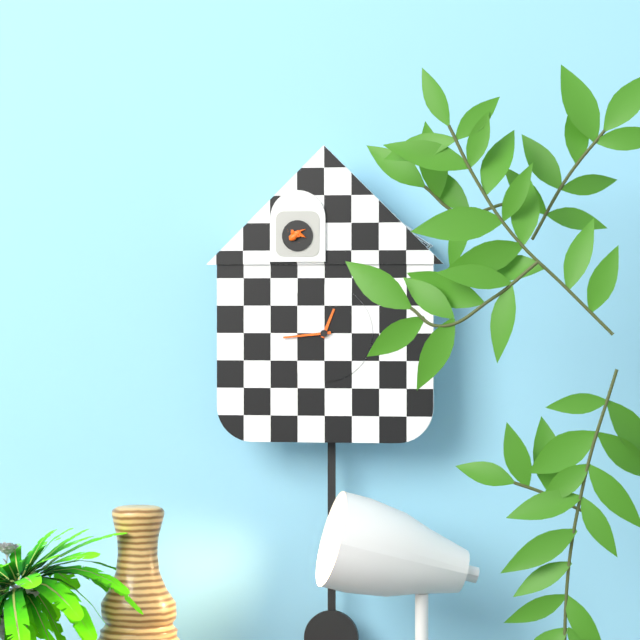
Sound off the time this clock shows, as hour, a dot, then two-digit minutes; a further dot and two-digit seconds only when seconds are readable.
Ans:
12.44
